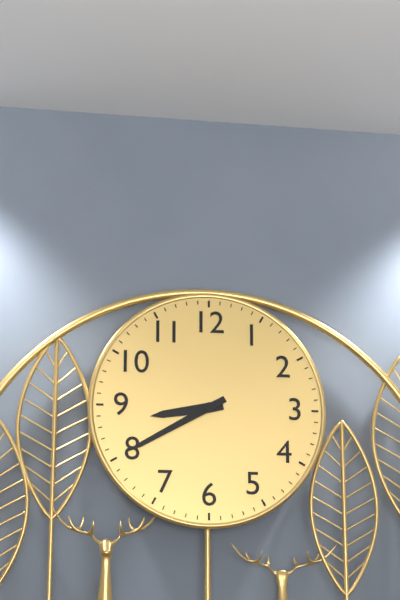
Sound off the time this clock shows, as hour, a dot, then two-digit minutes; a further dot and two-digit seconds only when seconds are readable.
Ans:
8.40
